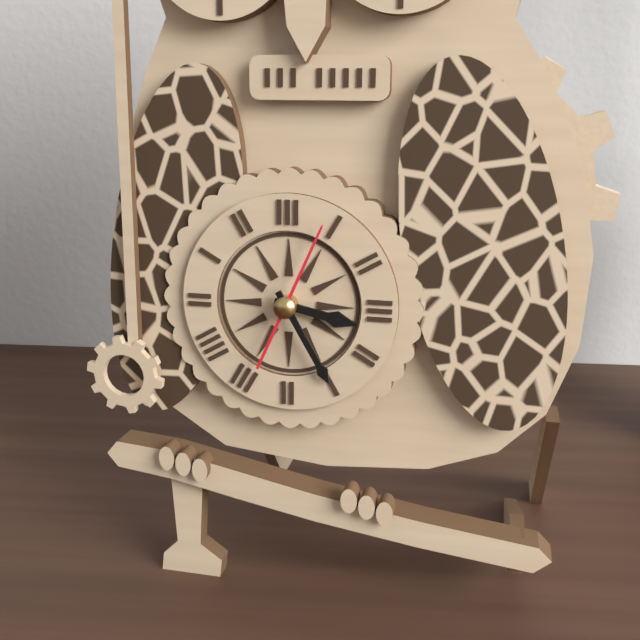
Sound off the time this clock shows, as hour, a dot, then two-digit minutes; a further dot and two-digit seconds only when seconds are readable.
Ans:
3.25.04
